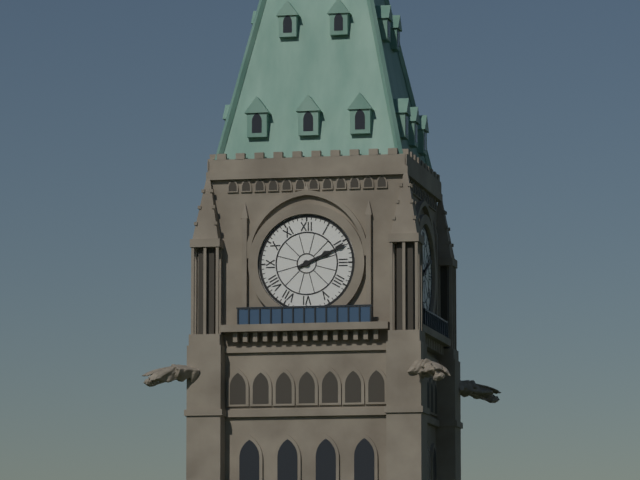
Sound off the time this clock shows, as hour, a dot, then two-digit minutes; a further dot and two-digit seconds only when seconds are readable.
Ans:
2.11
